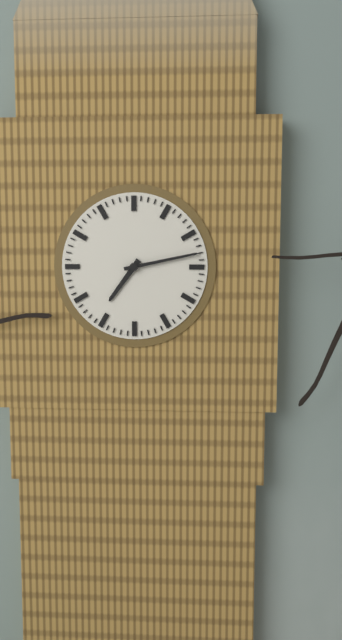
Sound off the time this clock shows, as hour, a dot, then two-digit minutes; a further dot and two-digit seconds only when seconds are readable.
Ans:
7.13
